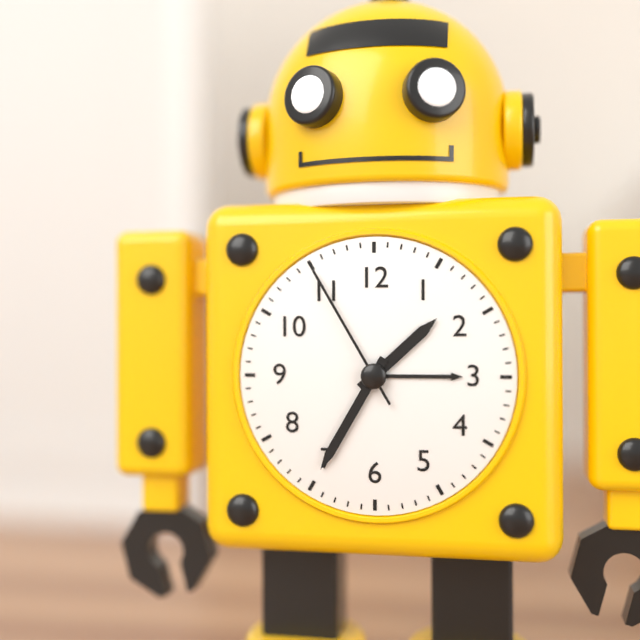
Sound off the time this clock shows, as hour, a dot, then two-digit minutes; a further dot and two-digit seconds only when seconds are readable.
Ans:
1.35.55
